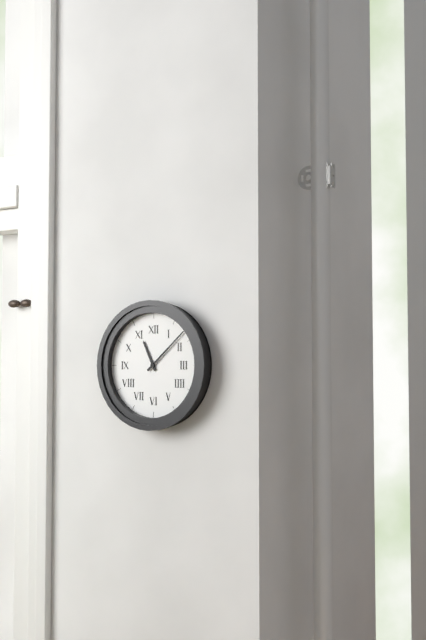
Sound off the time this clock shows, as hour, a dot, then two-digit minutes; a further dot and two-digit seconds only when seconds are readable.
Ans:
11.08
